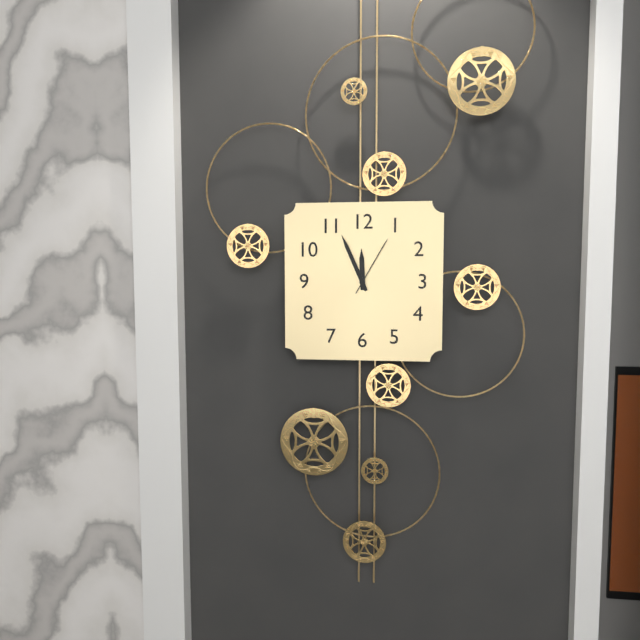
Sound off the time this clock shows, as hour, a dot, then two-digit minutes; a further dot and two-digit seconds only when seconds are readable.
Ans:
11.56.05
